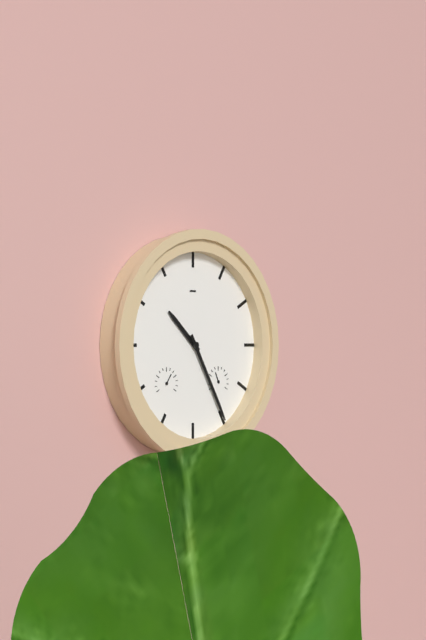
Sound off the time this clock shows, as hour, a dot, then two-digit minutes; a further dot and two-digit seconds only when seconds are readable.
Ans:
10.25
